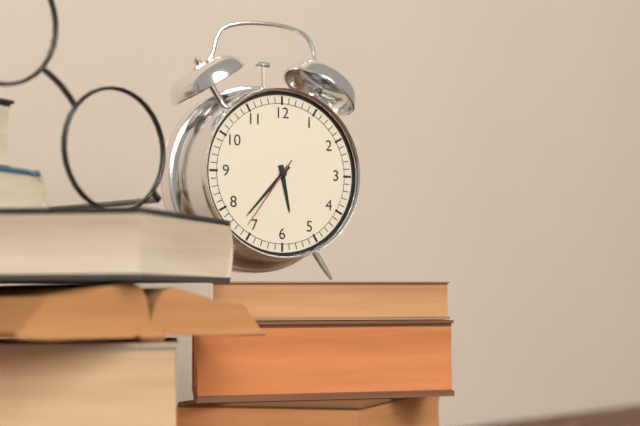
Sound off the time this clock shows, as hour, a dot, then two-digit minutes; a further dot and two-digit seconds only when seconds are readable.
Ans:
5.37.36
